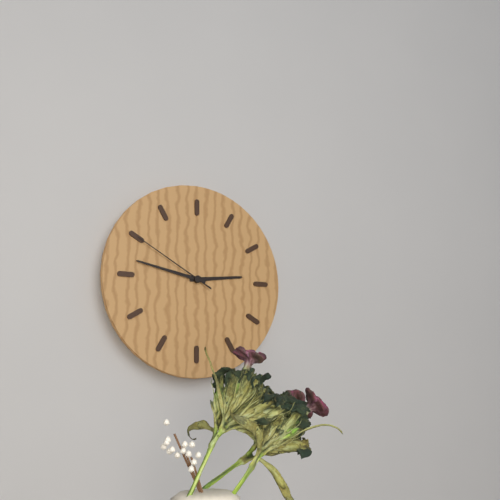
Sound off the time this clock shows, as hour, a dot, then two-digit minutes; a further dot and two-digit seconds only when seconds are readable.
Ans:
2.47.50
